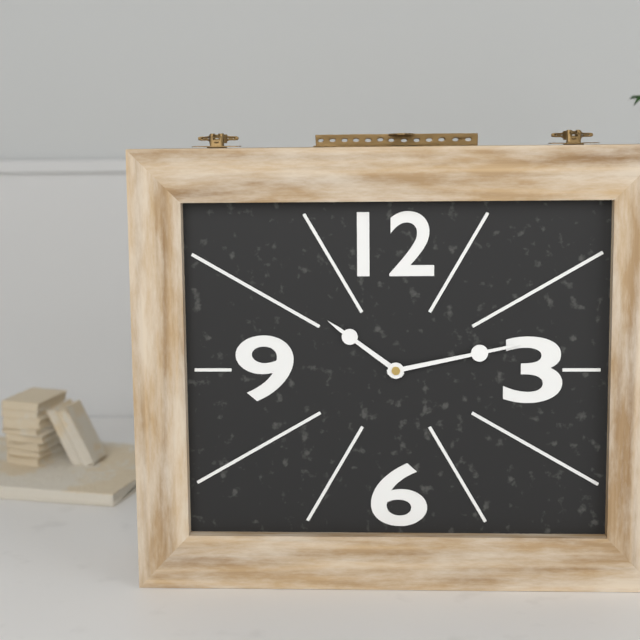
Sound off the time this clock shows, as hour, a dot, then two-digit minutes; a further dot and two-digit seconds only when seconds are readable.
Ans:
10.13
